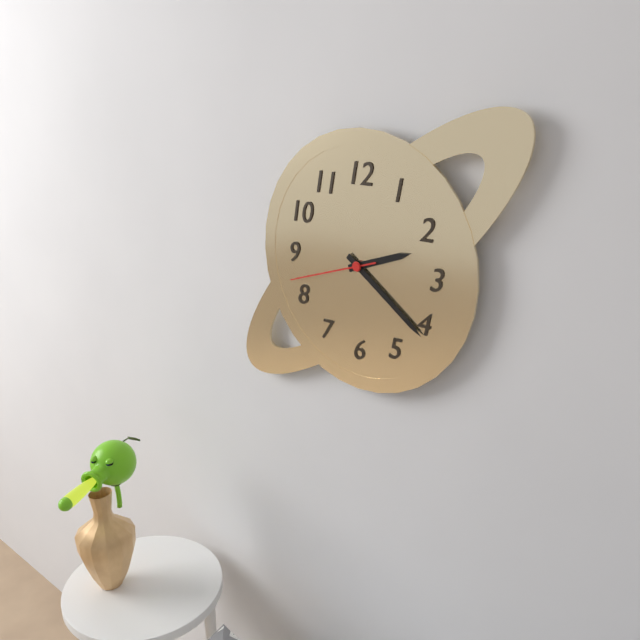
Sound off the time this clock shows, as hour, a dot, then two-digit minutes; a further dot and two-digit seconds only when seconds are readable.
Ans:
2.21.42
